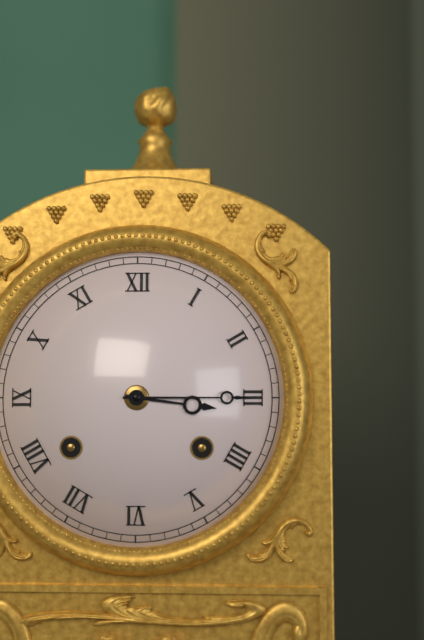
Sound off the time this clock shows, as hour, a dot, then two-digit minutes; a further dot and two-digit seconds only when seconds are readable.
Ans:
3.15
